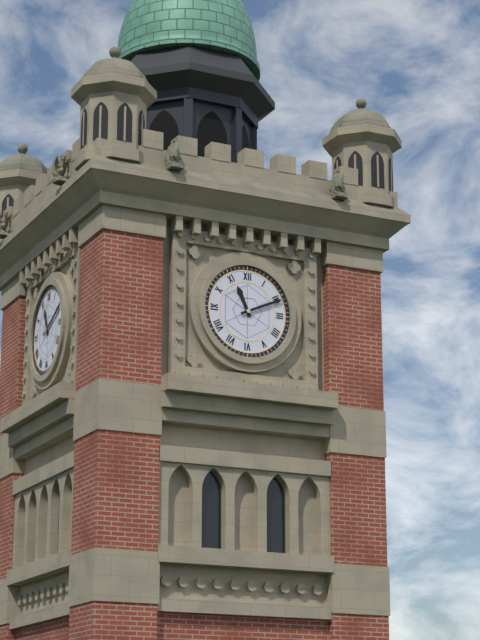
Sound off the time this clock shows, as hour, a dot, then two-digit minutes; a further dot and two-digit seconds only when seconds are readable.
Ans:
11.11
